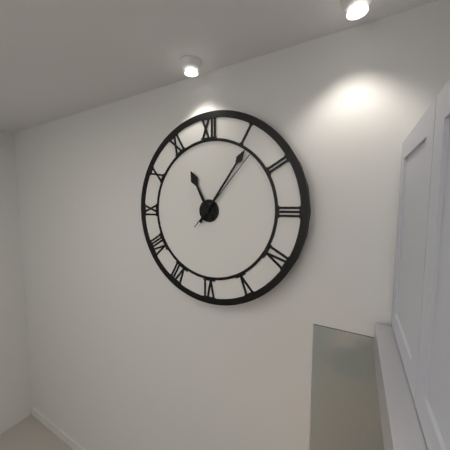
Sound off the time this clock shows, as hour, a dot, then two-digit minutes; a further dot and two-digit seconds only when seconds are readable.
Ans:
11.06.07
